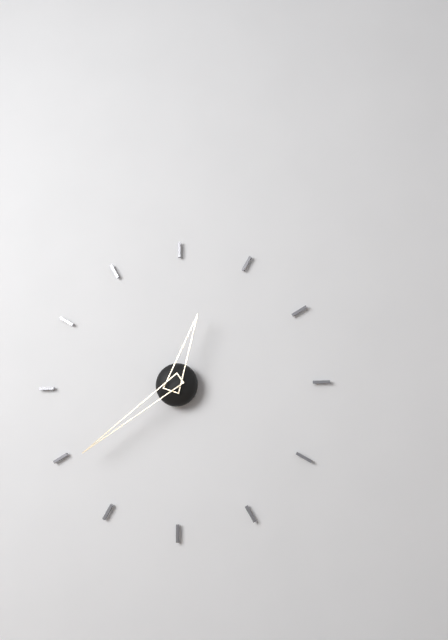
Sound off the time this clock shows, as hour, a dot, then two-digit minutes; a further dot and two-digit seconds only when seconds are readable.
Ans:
12.39
